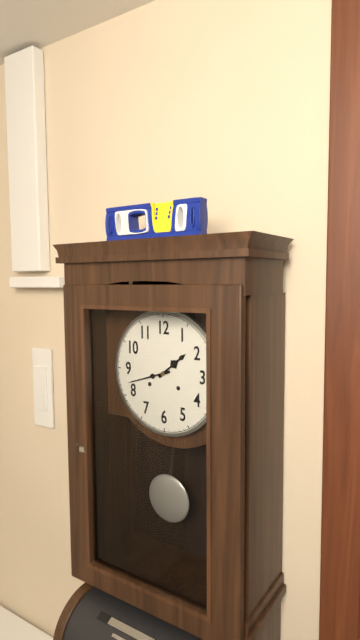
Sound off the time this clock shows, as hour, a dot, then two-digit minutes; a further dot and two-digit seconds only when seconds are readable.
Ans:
1.42
